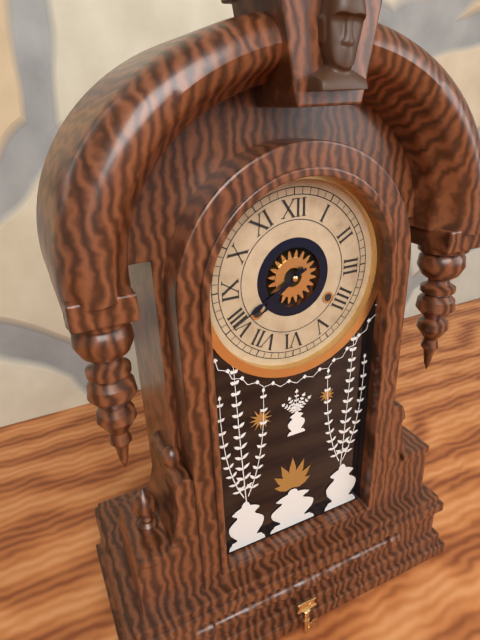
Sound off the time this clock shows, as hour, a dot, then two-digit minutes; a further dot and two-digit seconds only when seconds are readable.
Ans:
7.40
